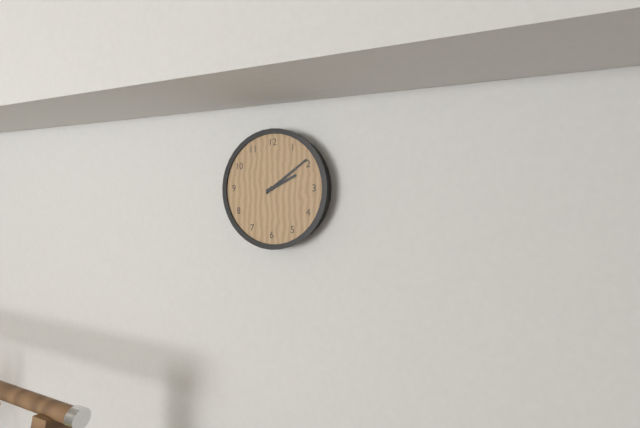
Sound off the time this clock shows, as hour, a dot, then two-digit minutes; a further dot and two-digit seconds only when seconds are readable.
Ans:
2.09
